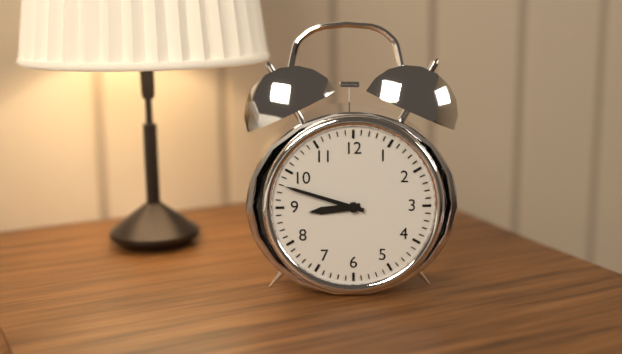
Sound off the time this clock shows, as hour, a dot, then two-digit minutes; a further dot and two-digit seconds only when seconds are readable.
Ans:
8.48
